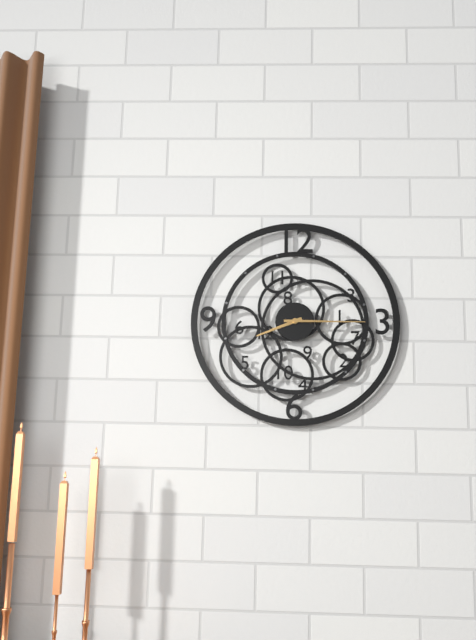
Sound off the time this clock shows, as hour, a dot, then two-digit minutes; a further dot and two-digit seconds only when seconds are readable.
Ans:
8.15
